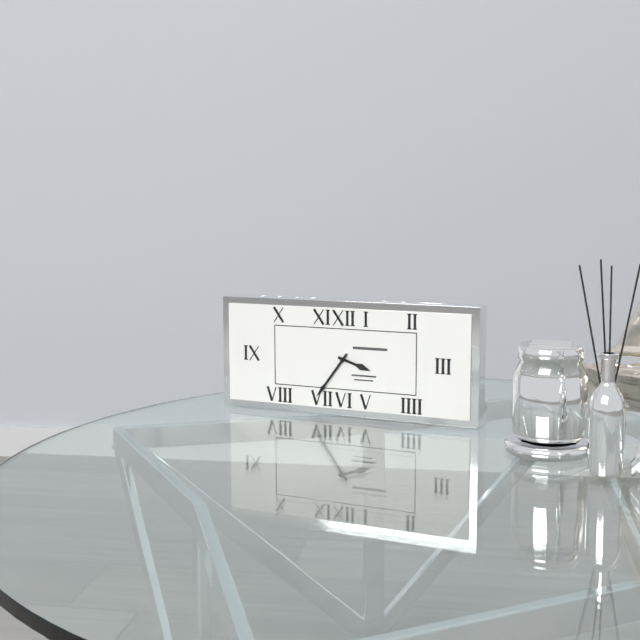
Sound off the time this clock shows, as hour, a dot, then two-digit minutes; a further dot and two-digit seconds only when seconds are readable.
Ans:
3.36
